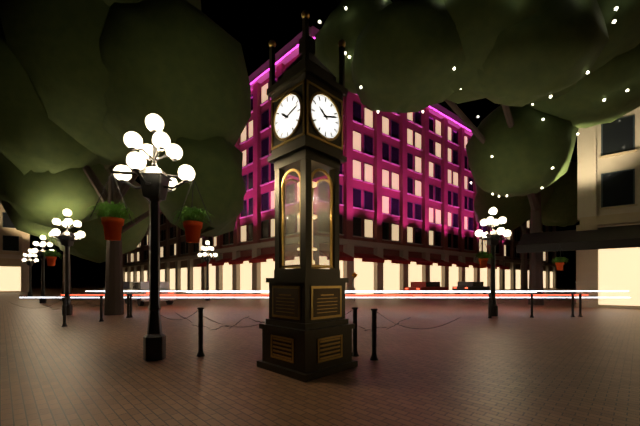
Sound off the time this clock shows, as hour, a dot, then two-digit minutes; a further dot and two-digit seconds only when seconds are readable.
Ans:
10.12
